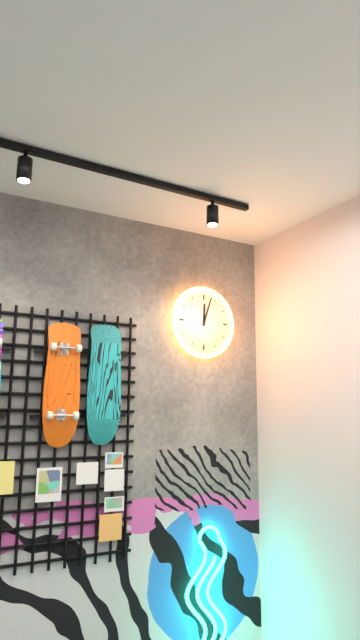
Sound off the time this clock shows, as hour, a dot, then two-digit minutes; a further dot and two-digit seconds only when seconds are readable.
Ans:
12.03
